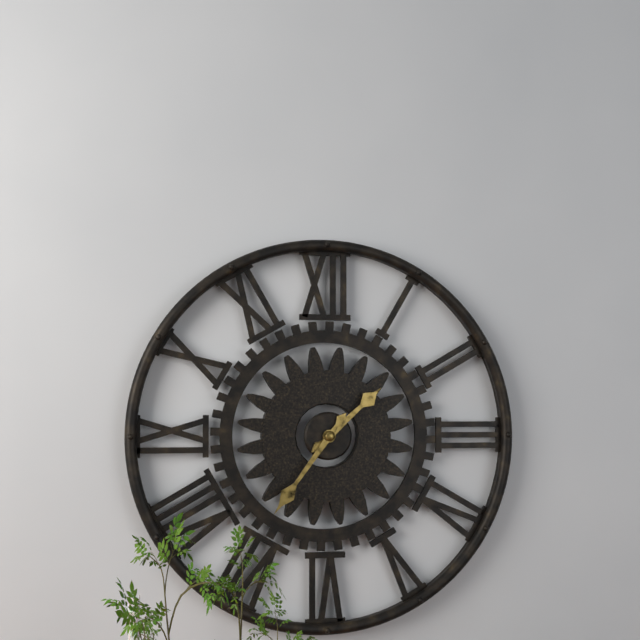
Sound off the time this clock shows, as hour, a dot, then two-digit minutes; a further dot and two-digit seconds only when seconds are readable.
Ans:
1.36
